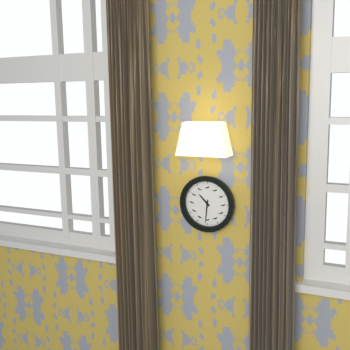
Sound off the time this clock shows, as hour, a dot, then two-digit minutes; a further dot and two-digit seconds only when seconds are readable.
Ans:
10.31
